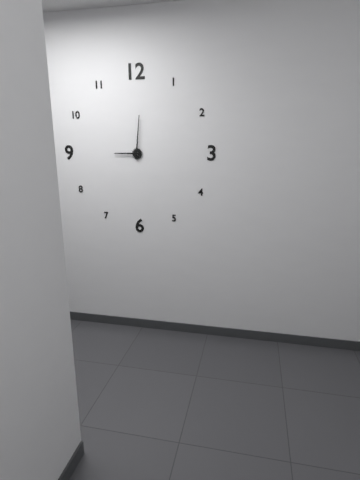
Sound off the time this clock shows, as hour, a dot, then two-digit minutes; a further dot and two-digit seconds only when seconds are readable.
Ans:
9.01
